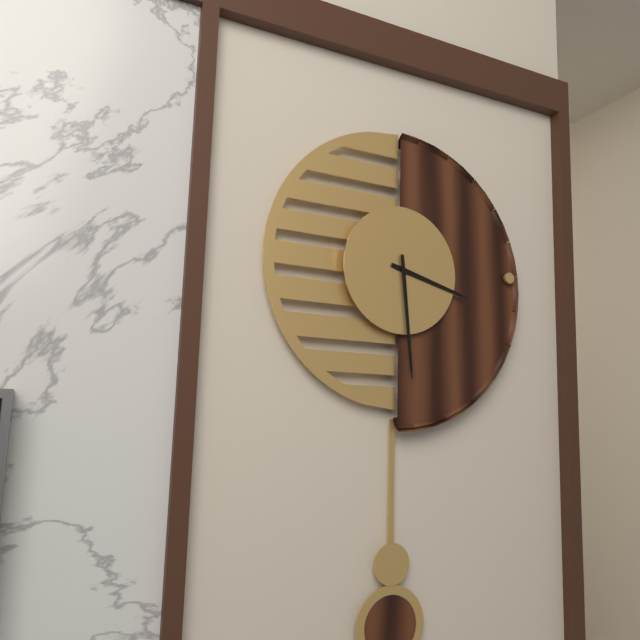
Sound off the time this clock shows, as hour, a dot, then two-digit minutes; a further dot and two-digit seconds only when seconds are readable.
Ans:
3.29
